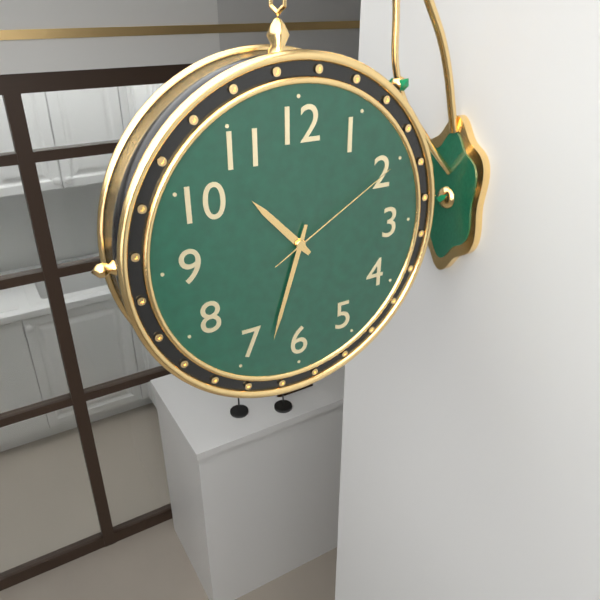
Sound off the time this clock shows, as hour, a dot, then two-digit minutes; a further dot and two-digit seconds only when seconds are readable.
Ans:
10.33.10
